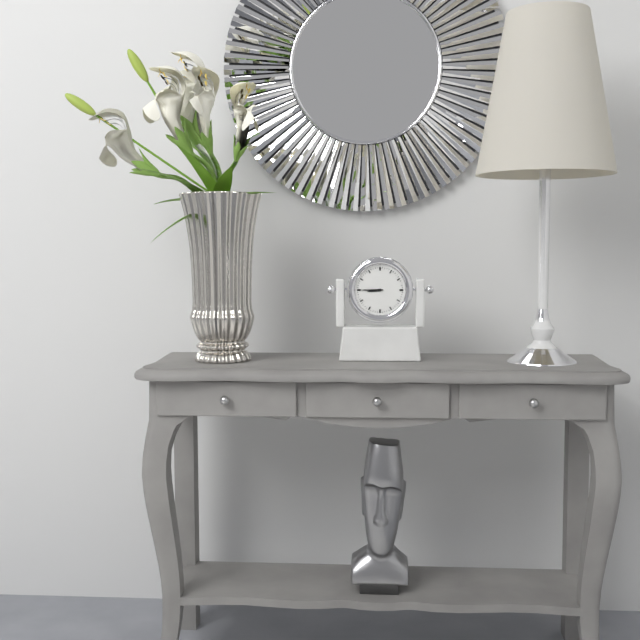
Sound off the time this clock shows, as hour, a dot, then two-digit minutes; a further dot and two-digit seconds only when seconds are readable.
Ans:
8.45
